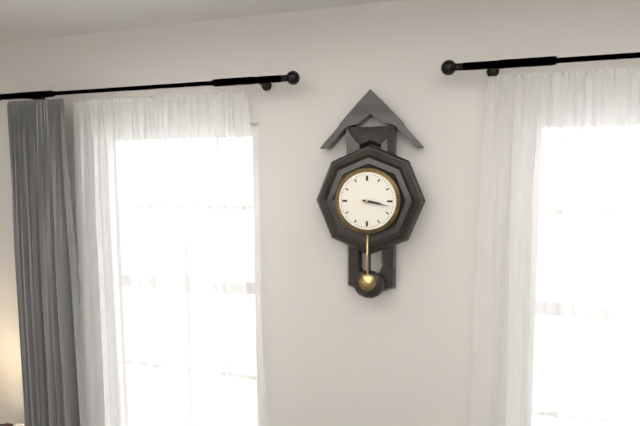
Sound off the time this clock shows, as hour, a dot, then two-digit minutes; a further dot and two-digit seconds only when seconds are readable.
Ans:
3.17
